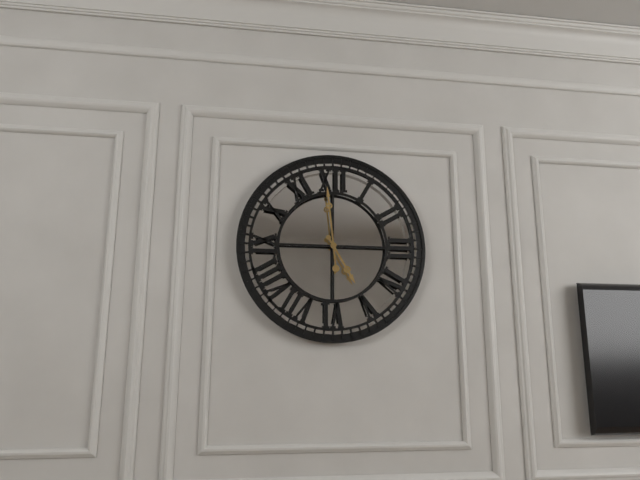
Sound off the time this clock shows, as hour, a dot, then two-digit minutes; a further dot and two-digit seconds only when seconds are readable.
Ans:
4.59
